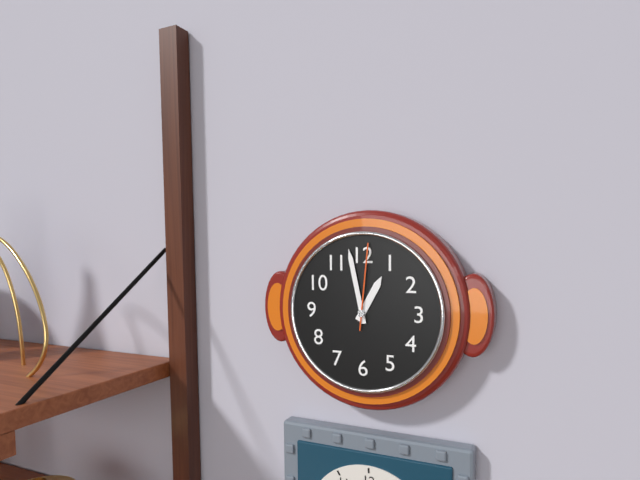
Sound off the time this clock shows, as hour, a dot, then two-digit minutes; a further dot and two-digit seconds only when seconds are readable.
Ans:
12.58.01
